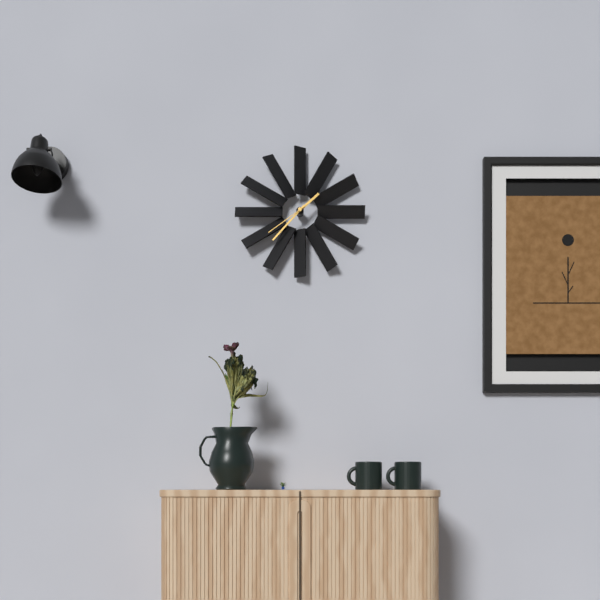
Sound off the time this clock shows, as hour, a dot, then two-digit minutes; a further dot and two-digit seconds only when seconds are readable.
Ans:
1.37
